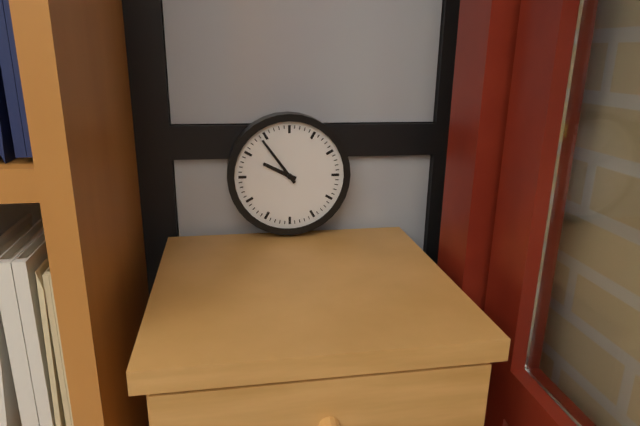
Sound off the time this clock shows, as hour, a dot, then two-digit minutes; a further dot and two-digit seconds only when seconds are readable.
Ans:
9.54
